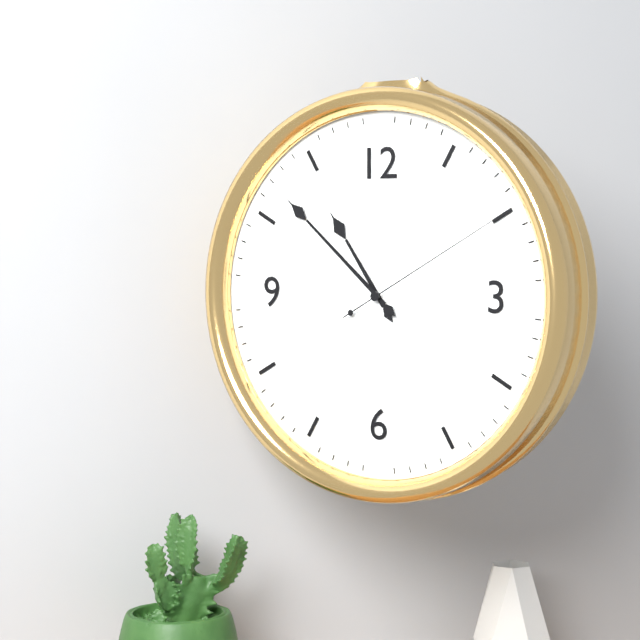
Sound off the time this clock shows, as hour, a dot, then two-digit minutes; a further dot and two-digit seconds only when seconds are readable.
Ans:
10.52.10
